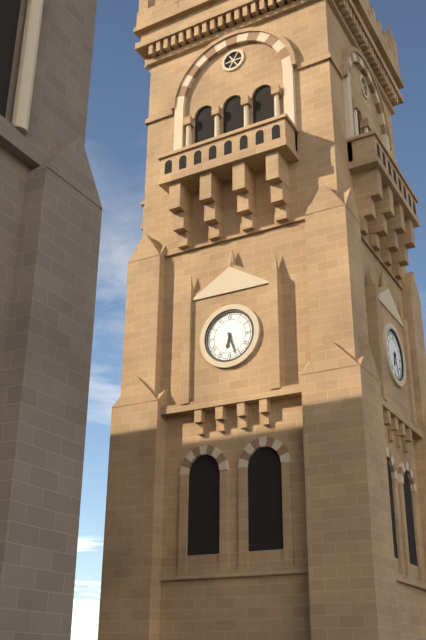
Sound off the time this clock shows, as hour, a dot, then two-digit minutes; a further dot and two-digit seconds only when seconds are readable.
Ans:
6.27
